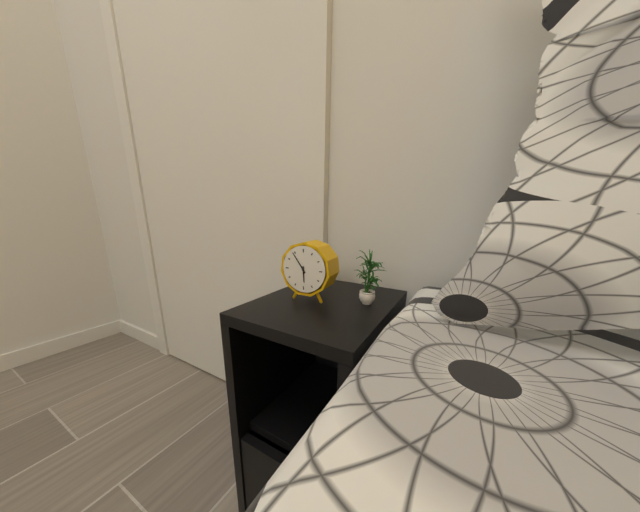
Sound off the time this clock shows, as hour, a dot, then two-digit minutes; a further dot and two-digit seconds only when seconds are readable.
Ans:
5.54
